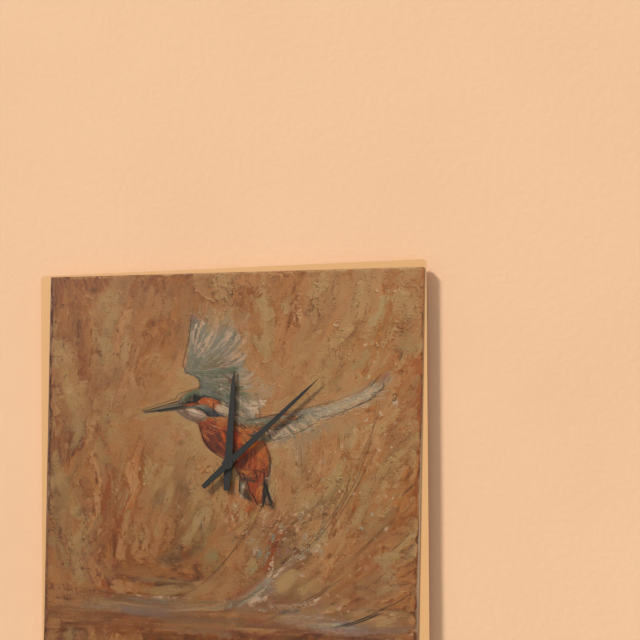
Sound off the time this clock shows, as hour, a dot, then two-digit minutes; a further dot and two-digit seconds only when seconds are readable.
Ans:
12.08
